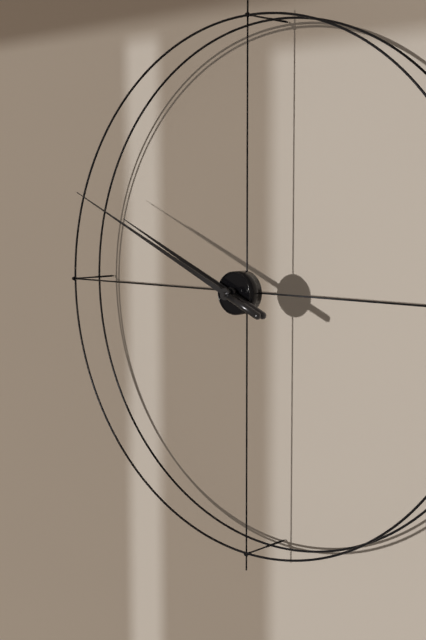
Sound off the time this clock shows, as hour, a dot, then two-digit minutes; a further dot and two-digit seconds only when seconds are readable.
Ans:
9.49
